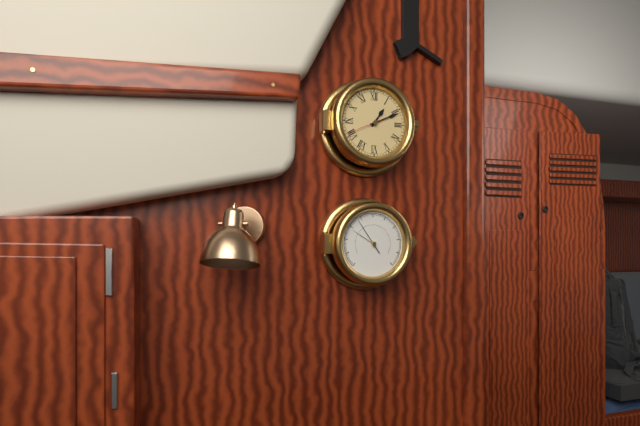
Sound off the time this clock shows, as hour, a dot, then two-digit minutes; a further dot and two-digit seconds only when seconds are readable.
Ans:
1.11
